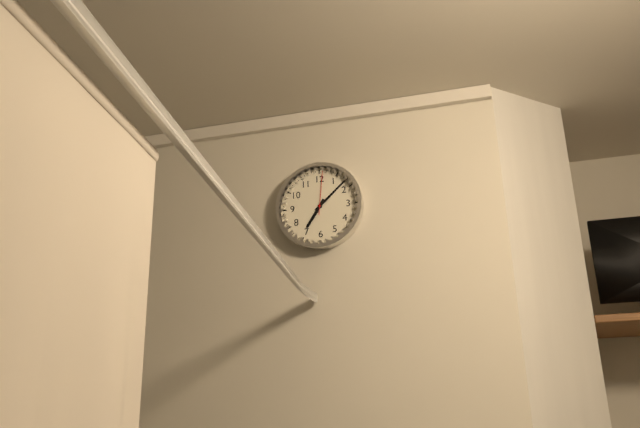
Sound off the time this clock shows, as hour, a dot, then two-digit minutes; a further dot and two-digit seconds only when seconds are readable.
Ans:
7.08
